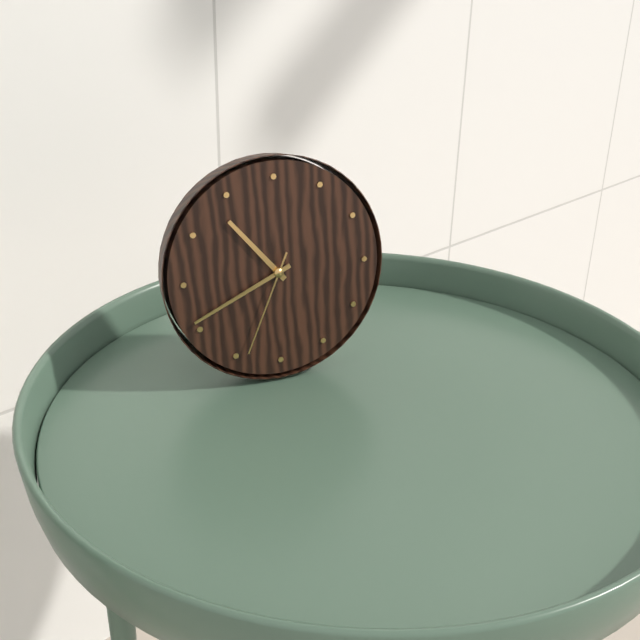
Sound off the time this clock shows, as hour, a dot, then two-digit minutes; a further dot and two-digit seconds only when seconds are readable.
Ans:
10.41.34
